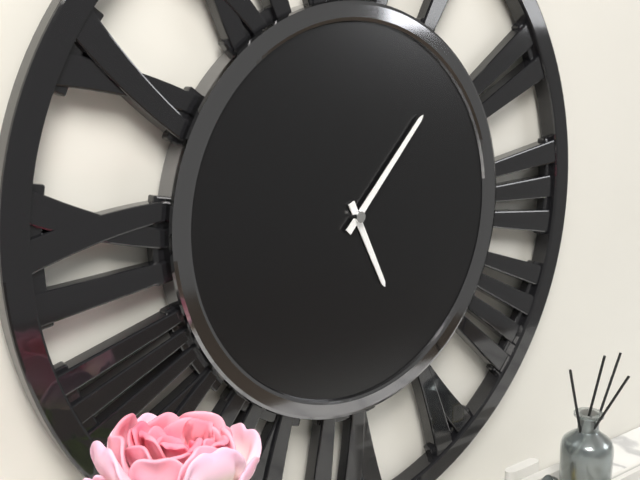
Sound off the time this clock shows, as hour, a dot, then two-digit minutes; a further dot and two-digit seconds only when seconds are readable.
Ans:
5.07
